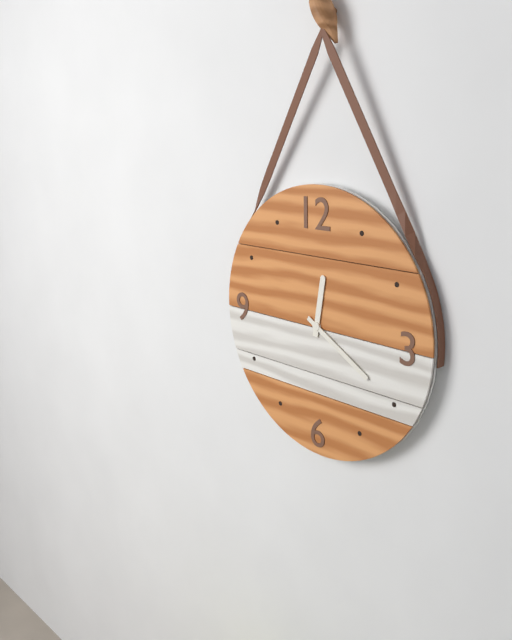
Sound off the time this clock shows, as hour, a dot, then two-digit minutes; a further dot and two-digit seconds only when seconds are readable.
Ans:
12.20
